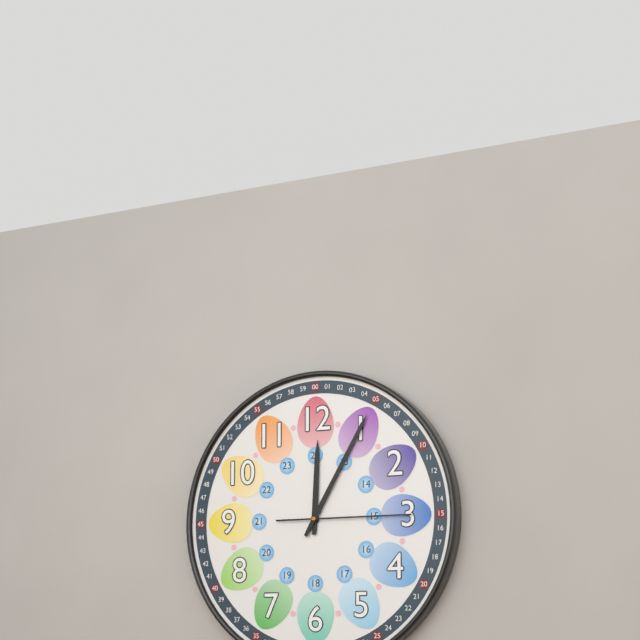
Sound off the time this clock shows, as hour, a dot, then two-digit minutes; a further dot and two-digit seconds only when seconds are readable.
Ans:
12.05.15
